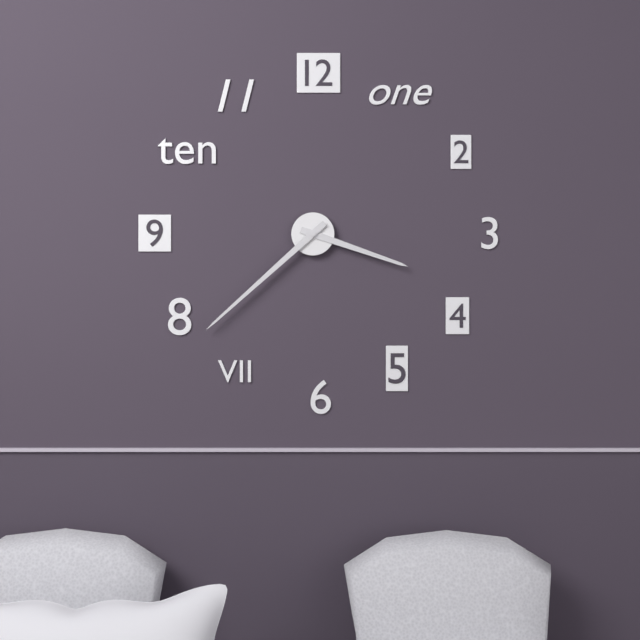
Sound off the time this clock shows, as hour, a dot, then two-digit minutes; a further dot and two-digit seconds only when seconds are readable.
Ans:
3.38
